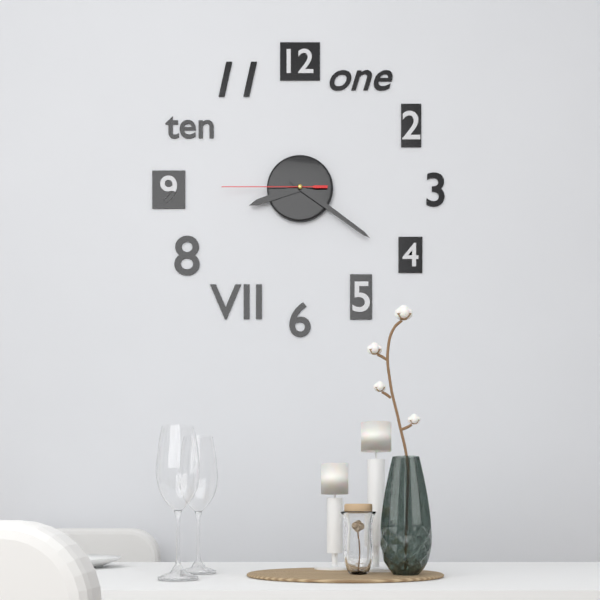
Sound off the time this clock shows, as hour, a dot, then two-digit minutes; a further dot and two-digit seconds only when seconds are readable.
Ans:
8.21.45
